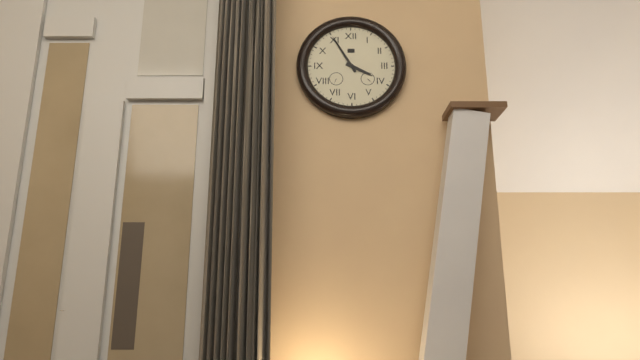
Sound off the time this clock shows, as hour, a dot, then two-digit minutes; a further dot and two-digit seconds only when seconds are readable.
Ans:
3.55
